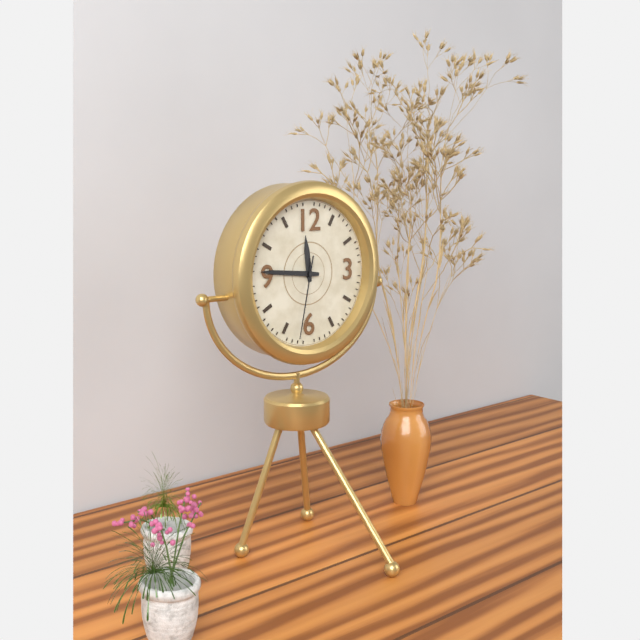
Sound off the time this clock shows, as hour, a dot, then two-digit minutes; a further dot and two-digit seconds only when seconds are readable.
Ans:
11.46.32
